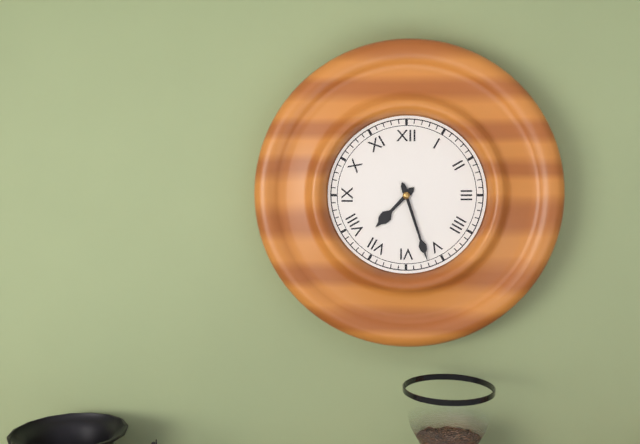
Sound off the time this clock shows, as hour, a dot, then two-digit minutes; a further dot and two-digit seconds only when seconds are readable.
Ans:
7.27
